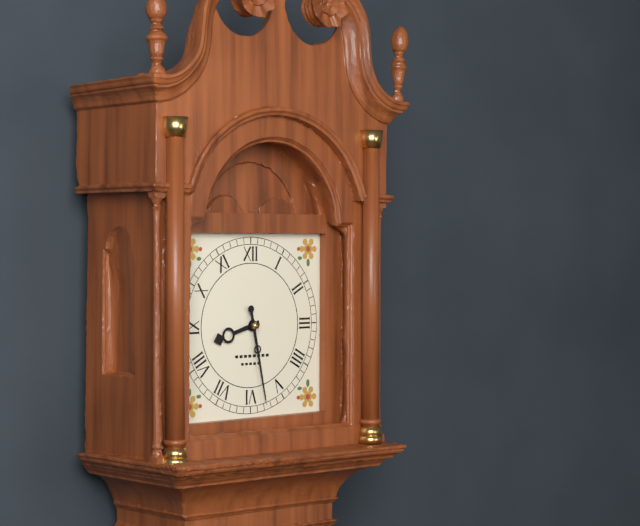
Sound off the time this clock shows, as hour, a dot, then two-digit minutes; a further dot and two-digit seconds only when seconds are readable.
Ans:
8.28
